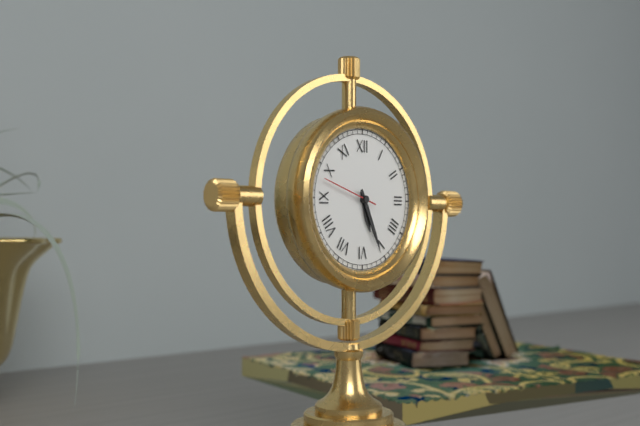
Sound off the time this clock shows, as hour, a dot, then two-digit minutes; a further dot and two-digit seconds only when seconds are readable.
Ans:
5.26.48
